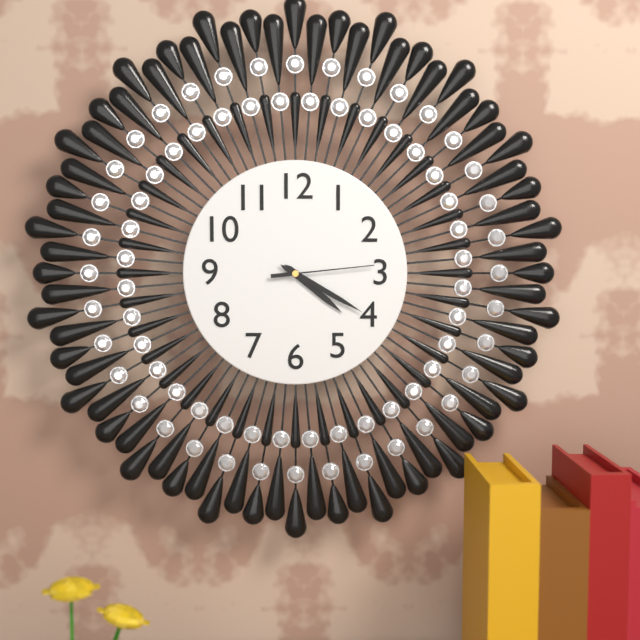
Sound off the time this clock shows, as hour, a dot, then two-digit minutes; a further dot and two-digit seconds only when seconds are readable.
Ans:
4.20.14
